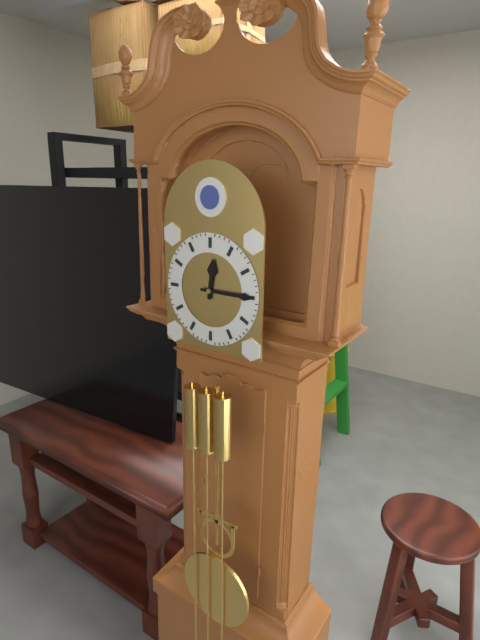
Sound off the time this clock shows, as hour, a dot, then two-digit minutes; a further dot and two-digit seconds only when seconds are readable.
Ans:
12.15
